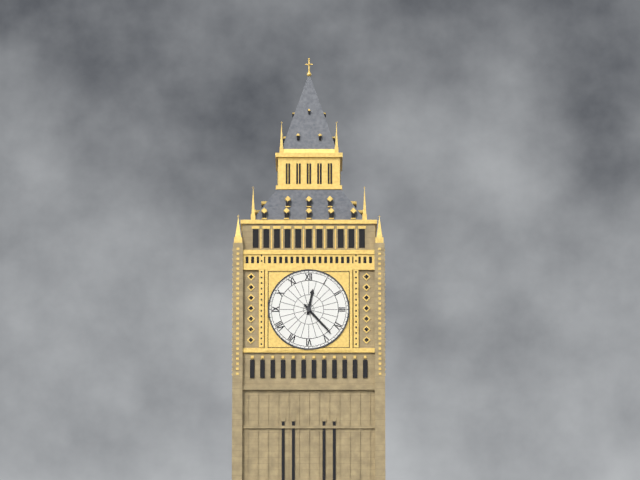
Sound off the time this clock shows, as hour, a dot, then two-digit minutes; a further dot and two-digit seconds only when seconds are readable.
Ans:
12.23
